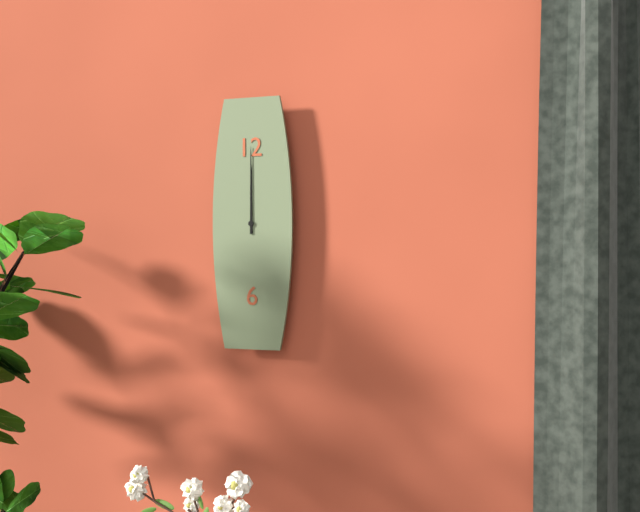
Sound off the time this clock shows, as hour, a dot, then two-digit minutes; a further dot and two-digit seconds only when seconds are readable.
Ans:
12.00
